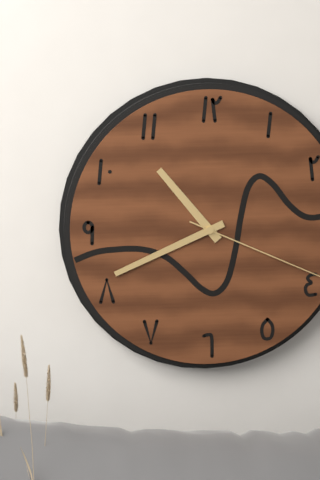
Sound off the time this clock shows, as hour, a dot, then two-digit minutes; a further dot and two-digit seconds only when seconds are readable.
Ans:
10.41
